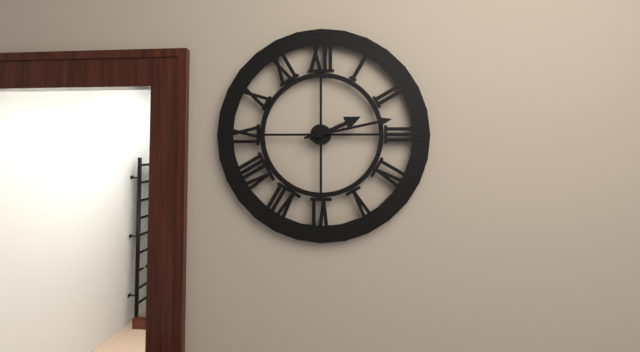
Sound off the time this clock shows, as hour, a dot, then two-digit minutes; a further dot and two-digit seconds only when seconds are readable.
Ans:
2.13
